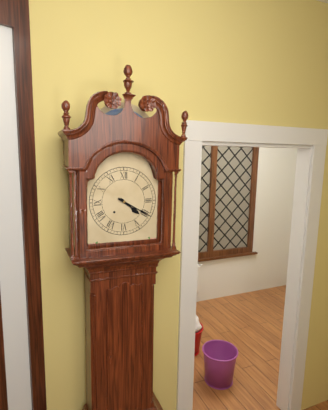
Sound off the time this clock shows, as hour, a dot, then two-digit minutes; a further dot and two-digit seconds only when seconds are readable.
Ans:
4.20
